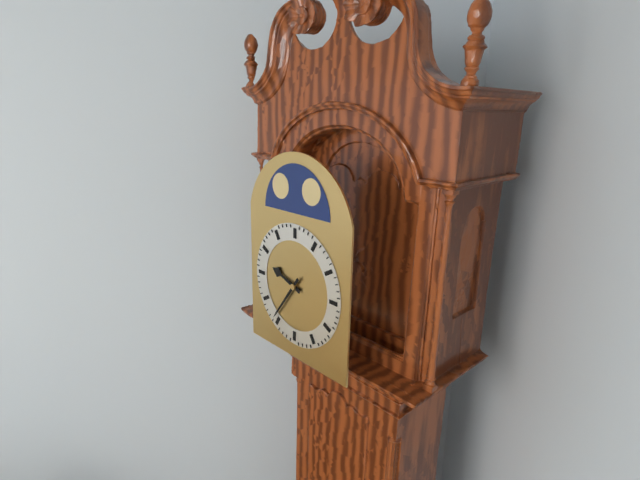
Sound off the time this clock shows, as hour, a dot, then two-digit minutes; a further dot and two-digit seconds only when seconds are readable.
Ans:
9.36
